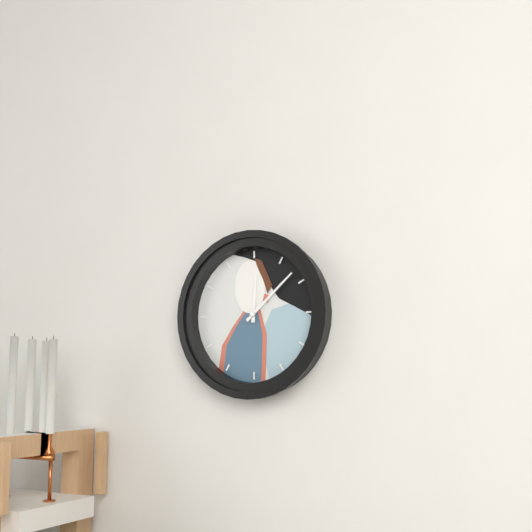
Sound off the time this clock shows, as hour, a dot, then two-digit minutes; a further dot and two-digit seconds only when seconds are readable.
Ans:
12.08
